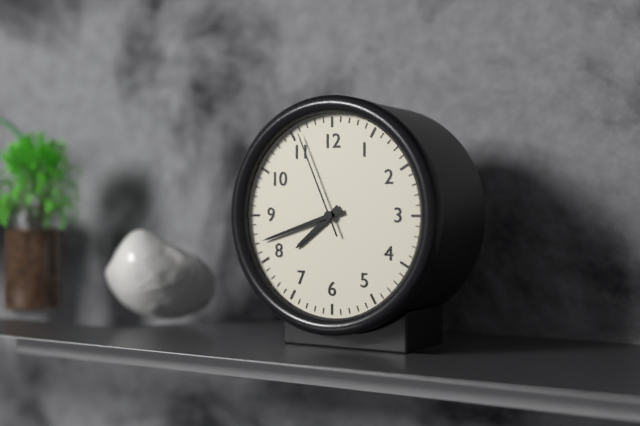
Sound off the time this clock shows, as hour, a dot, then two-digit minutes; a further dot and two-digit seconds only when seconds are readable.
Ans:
7.42.56
